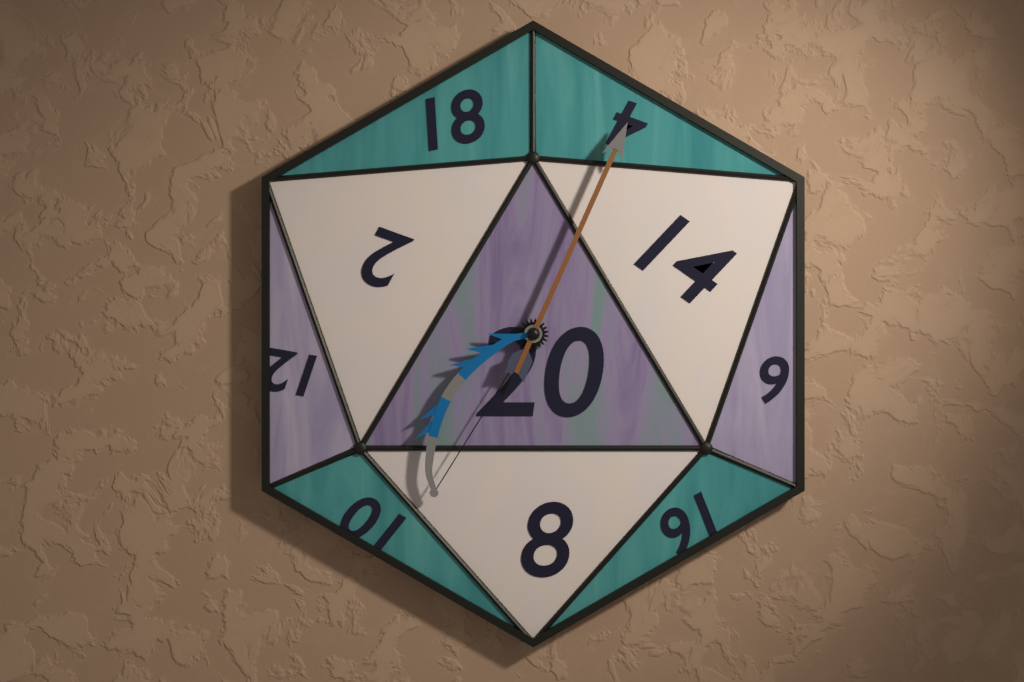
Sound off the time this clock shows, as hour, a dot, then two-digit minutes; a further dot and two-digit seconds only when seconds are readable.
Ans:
7.04
